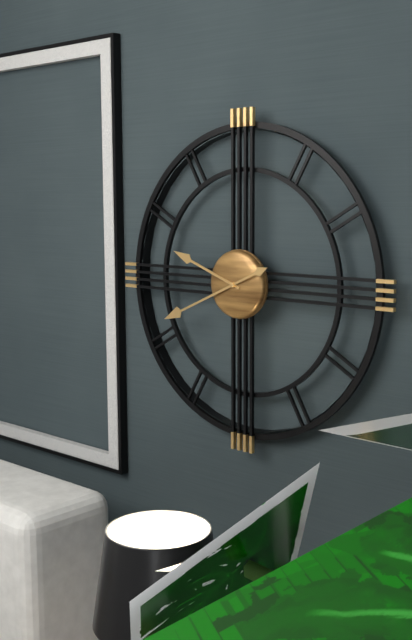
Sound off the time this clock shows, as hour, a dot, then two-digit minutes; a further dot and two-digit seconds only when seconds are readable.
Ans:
9.41
